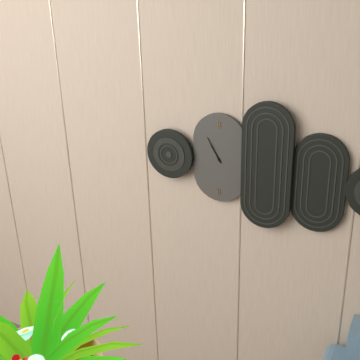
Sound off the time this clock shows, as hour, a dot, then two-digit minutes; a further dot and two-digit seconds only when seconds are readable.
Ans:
10.55
